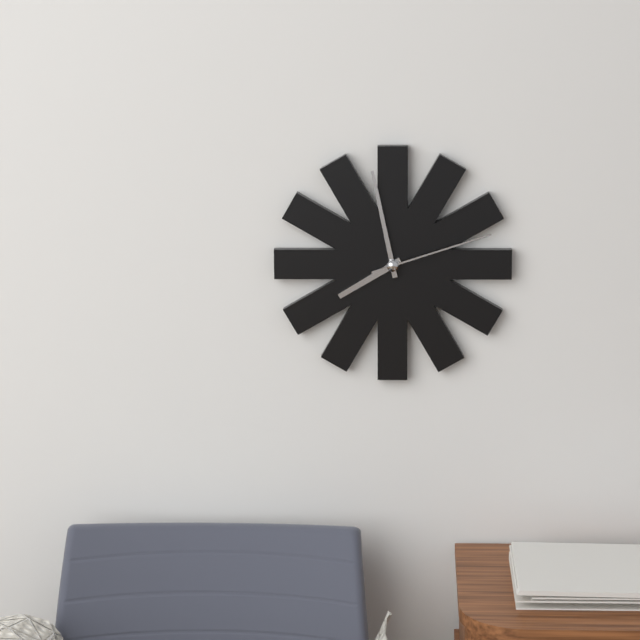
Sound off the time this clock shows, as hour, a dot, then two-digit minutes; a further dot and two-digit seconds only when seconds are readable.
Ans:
7.58.12
